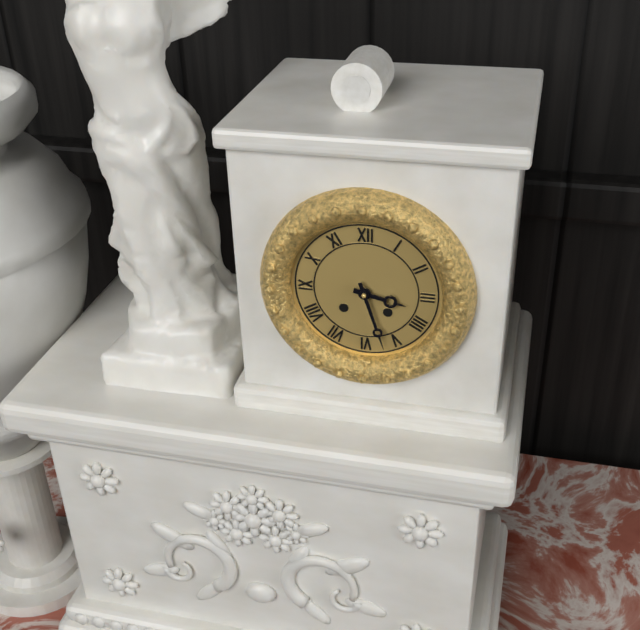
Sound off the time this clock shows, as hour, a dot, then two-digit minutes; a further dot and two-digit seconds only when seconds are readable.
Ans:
3.27
